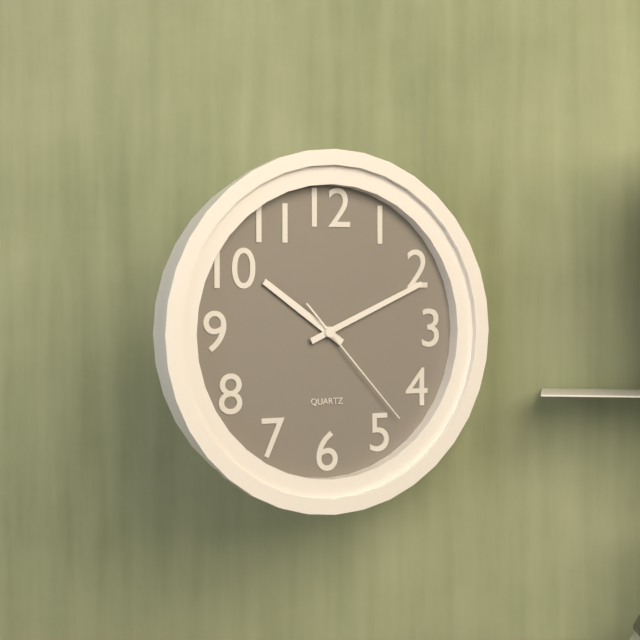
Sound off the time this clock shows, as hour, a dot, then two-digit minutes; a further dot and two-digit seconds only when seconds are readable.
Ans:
10.11.23
